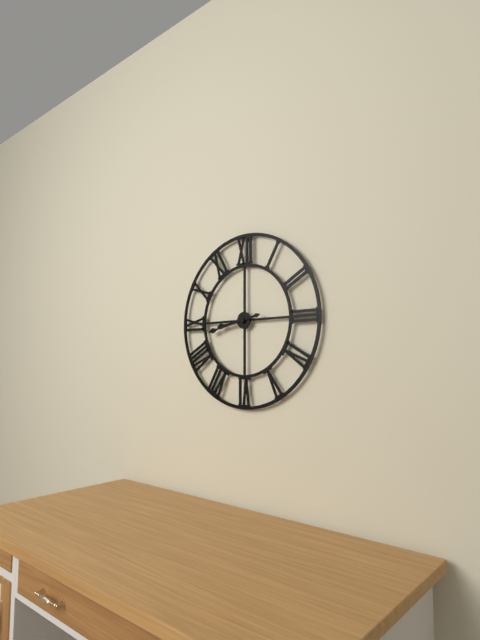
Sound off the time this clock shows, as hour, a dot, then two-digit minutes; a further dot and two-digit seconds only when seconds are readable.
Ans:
8.43
